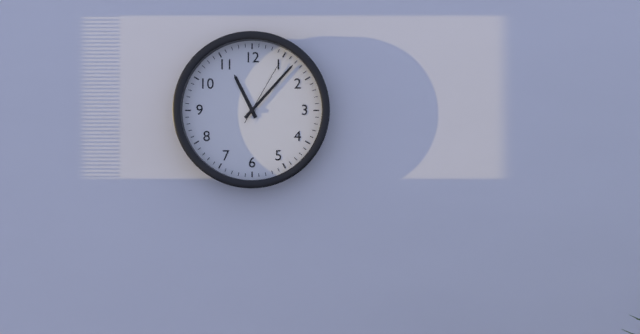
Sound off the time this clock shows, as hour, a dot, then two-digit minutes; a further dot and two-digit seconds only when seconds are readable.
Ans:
11.07.05
